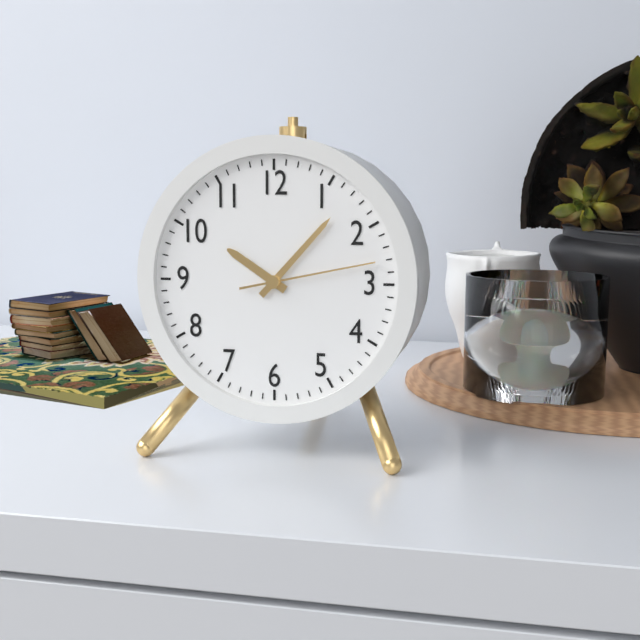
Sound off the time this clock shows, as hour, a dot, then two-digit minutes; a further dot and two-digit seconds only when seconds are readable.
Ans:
10.07.13
